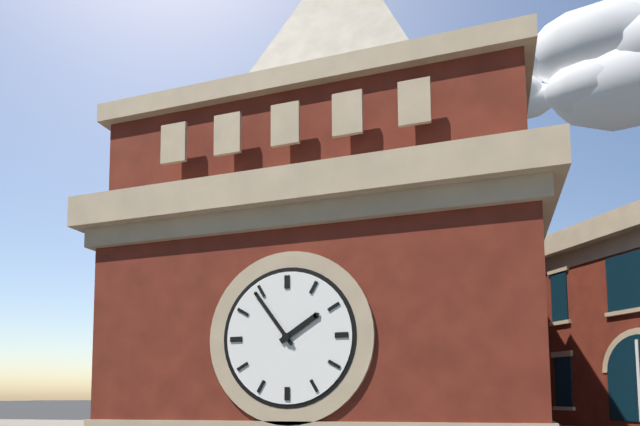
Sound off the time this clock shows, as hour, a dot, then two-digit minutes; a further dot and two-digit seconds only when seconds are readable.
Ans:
1.54
